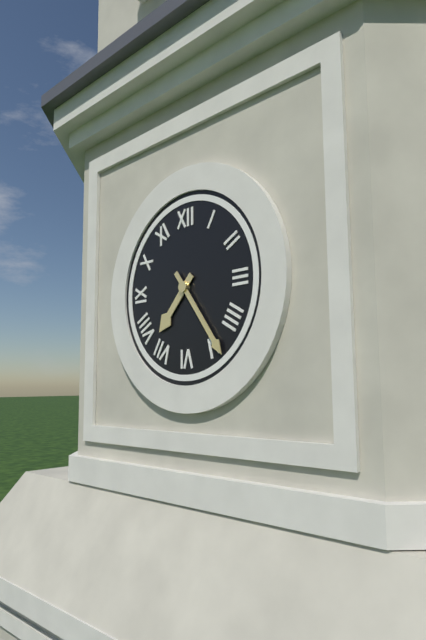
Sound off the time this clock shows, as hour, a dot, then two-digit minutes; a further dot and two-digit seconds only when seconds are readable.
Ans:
7.24
